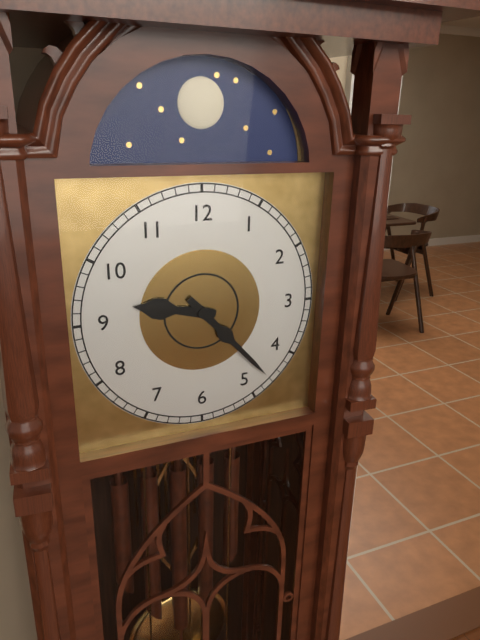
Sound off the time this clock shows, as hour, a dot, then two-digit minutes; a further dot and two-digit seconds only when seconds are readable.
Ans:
9.23
